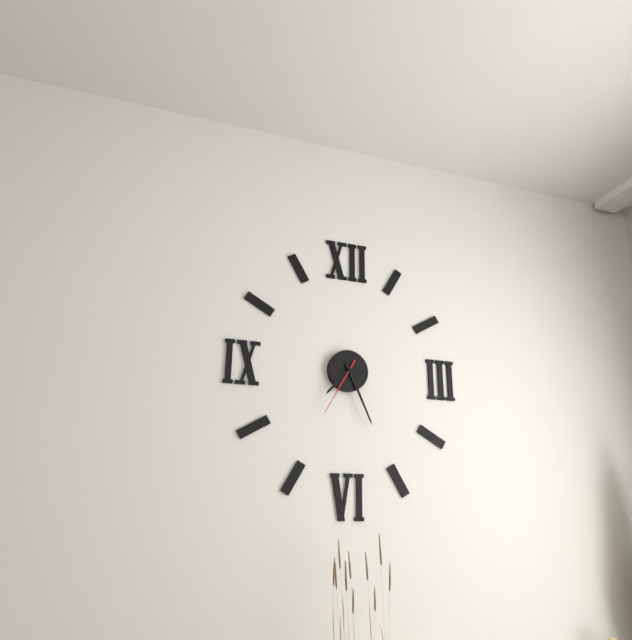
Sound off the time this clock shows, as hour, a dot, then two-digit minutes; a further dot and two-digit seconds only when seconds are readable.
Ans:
7.26.35
